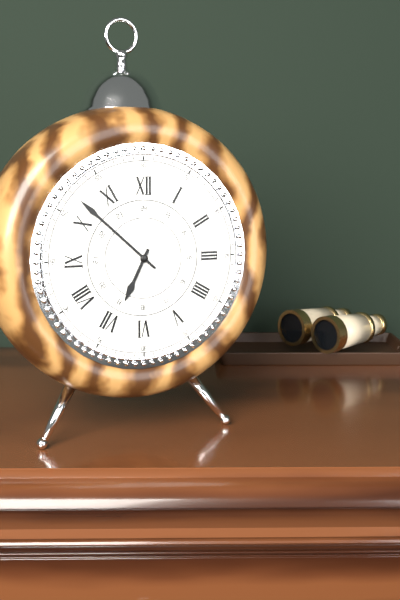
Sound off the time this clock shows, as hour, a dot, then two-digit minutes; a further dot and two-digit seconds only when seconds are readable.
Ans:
6.52
